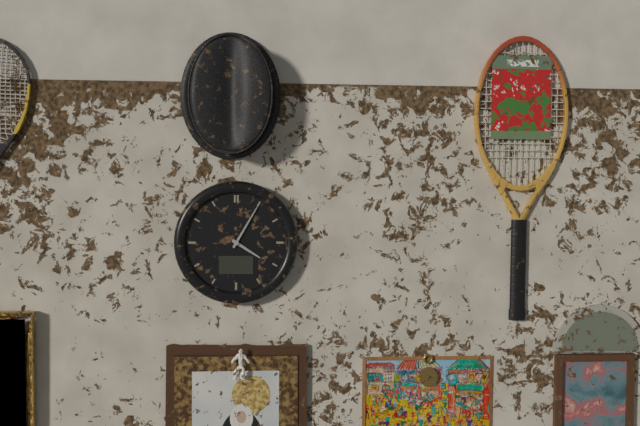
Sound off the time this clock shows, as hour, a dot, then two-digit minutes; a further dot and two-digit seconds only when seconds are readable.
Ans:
4.05
